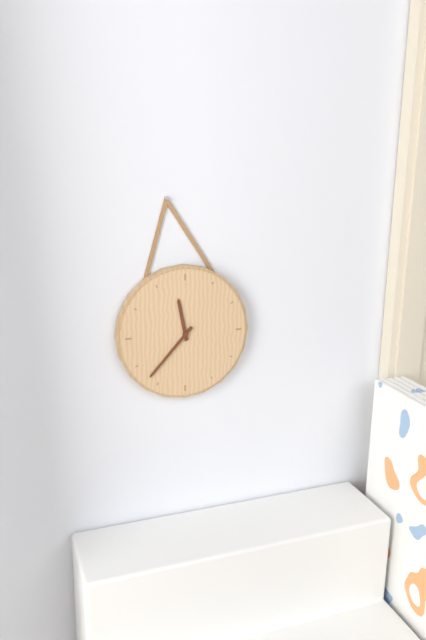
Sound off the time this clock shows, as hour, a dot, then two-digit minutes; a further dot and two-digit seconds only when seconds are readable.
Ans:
11.37
